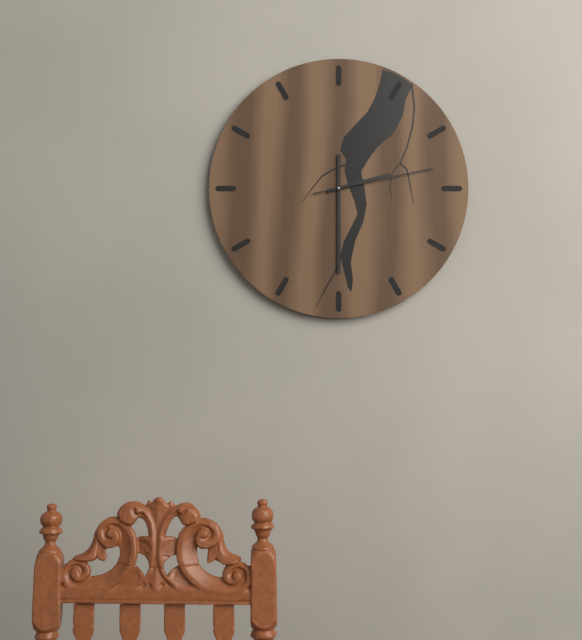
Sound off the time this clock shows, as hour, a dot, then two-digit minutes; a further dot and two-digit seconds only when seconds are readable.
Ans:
2.30.13
